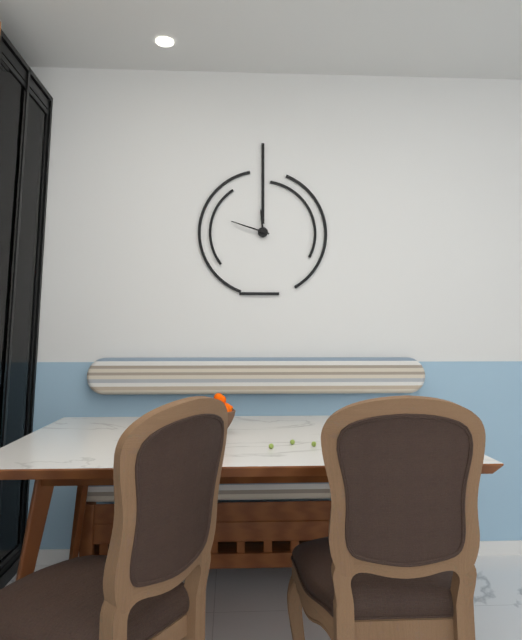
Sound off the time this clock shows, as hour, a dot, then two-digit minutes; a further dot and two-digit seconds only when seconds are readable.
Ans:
11.48
